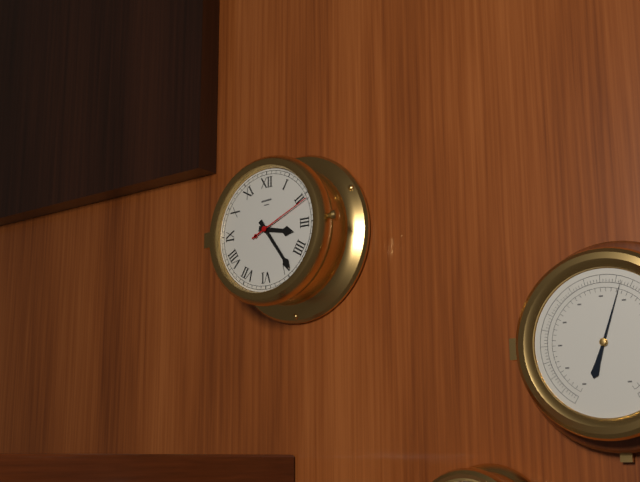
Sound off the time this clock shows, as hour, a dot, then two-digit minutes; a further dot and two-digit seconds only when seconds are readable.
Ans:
3.24.11
